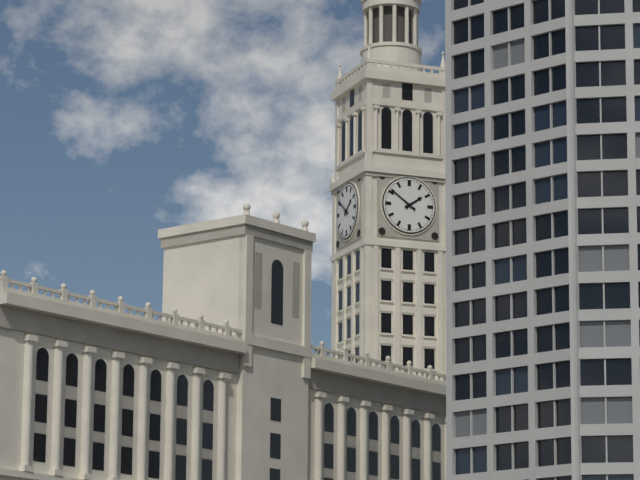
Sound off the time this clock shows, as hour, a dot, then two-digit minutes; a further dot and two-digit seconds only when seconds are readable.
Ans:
1.51
